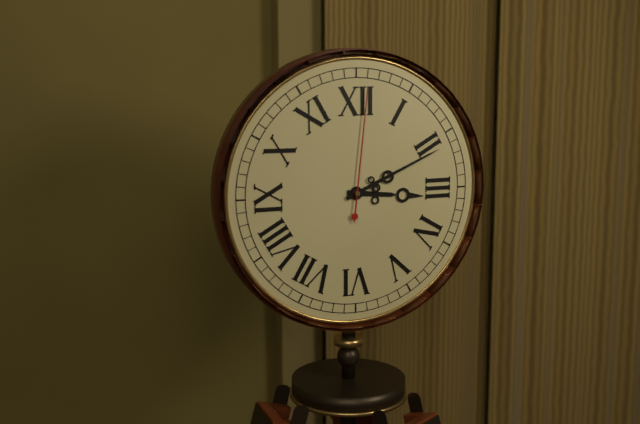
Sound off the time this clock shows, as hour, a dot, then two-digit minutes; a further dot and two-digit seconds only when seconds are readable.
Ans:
3.11.01
